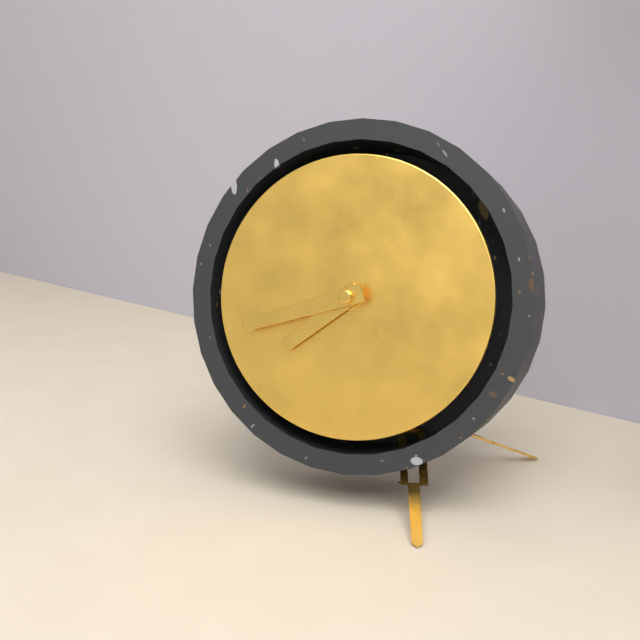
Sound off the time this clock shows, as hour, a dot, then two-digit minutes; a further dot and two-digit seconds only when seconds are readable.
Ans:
7.42
